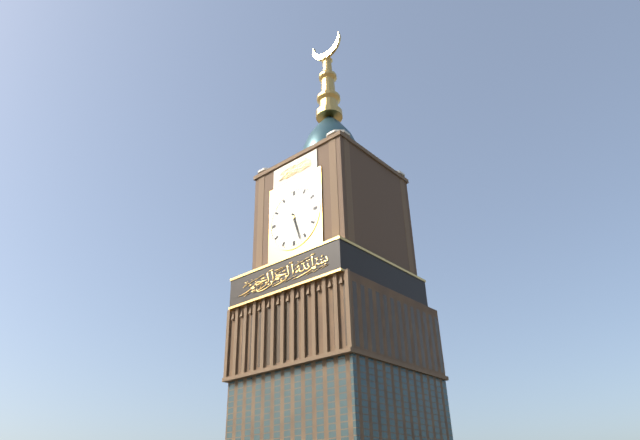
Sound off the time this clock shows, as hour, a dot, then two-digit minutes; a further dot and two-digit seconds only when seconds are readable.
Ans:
5.27
